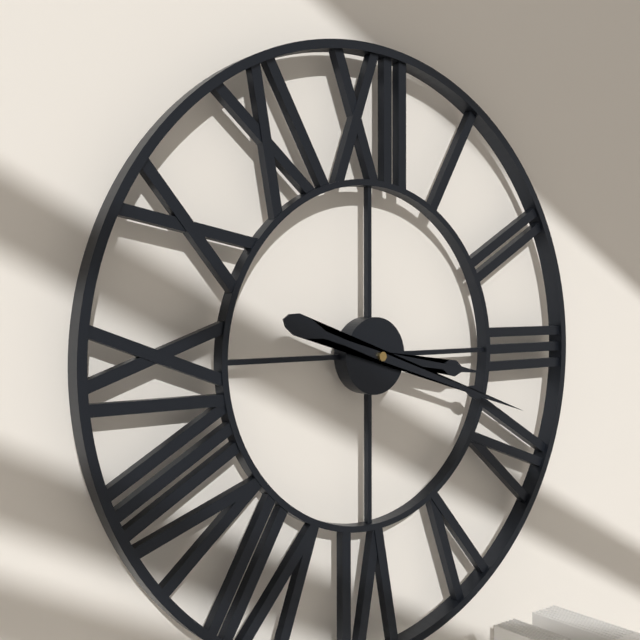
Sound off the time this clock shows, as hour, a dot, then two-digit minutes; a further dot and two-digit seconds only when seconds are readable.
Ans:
3.18
